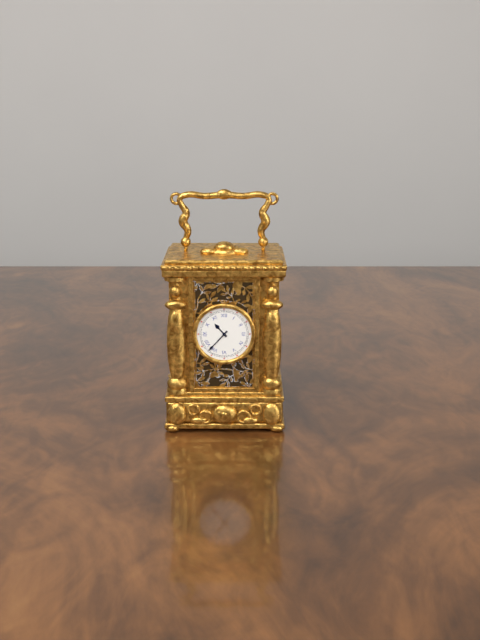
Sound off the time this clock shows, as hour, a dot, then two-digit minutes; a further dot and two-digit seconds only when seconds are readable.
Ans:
10.37
